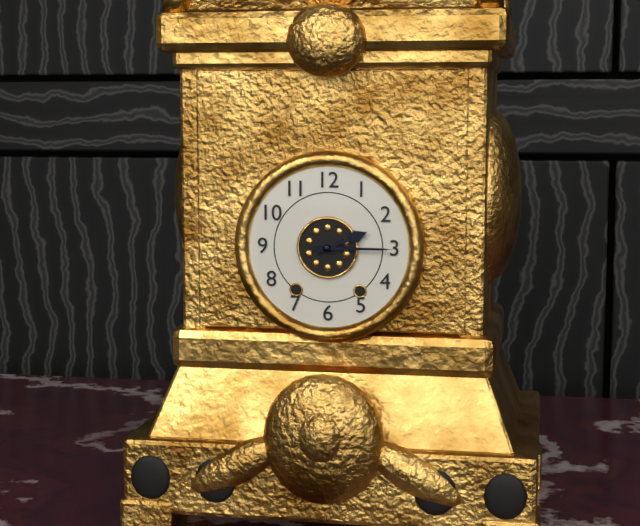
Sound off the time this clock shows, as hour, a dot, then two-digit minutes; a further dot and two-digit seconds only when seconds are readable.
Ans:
2.15
